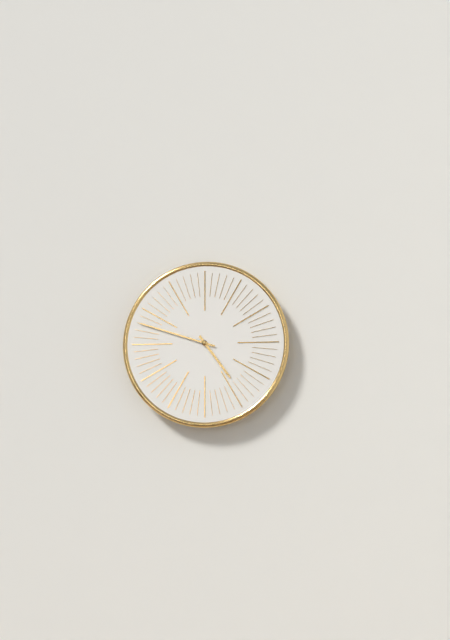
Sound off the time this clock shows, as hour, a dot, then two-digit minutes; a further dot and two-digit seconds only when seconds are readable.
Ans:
4.48
